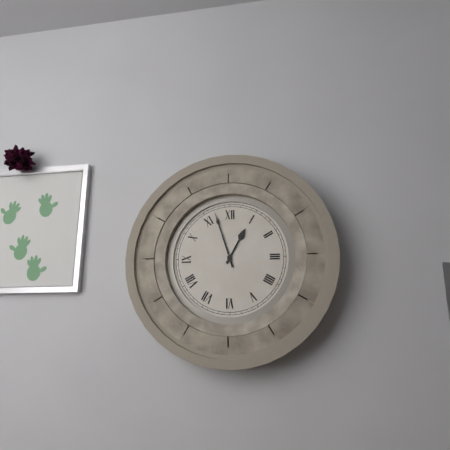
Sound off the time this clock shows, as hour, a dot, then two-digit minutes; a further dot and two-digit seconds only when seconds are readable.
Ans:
12.57
